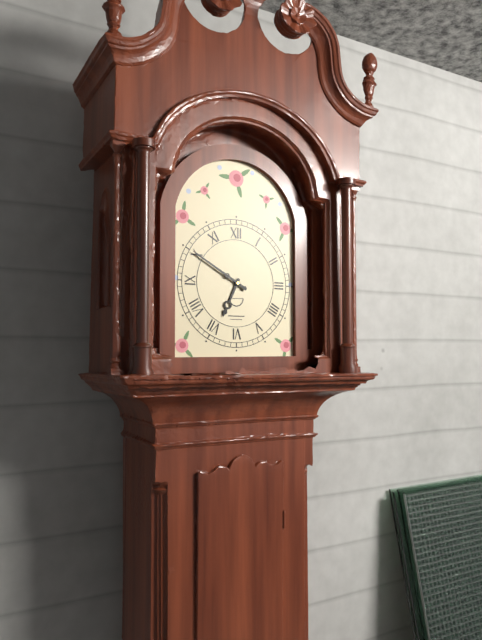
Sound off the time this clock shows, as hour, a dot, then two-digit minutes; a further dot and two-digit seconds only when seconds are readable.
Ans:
6.50
